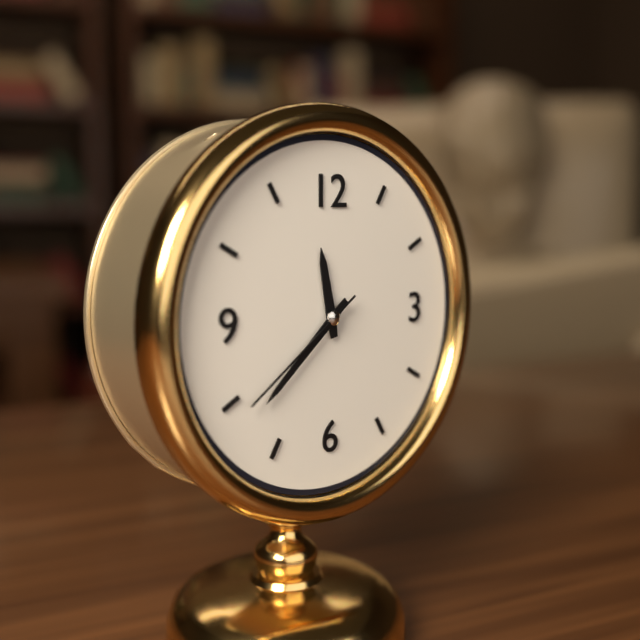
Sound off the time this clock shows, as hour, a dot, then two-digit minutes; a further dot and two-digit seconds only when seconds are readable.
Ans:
11.38.39
